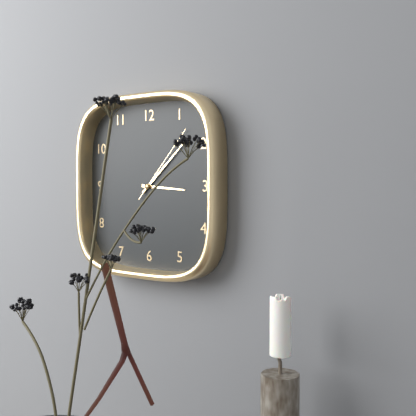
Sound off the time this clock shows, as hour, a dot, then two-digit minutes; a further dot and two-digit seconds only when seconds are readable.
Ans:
3.08.07
